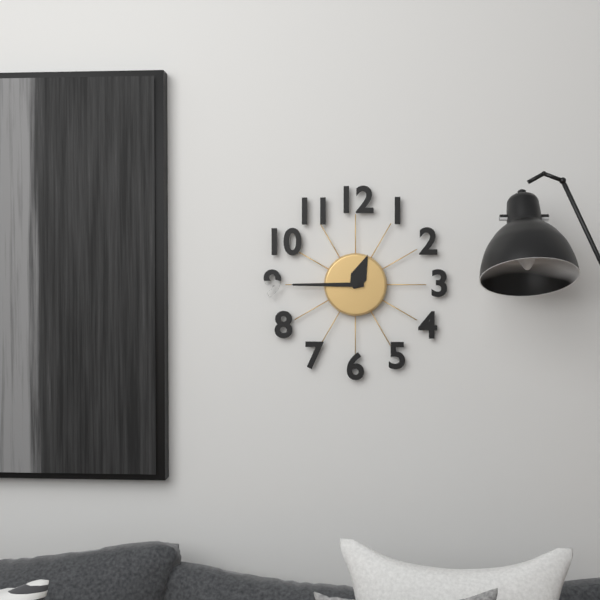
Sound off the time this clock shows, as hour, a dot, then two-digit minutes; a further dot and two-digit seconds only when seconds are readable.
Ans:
12.45
